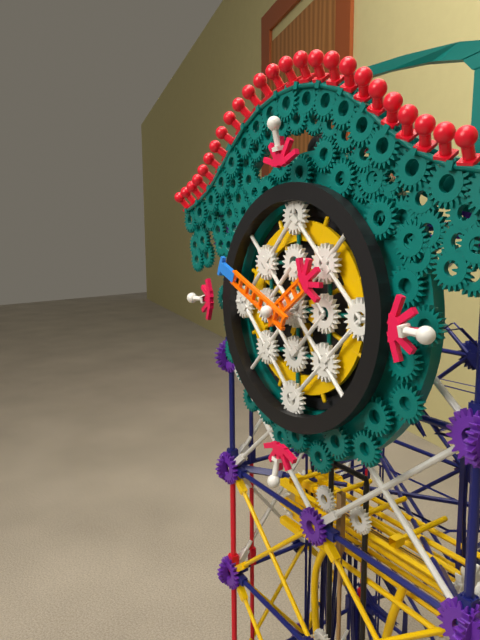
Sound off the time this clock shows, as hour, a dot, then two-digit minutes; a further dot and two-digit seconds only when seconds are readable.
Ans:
1.49
